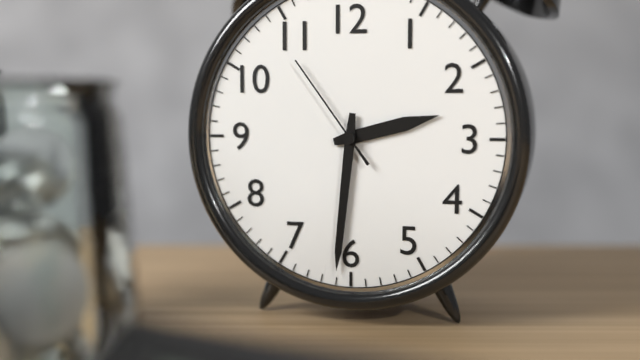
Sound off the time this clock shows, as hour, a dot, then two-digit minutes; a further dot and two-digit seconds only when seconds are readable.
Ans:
2.31.54
